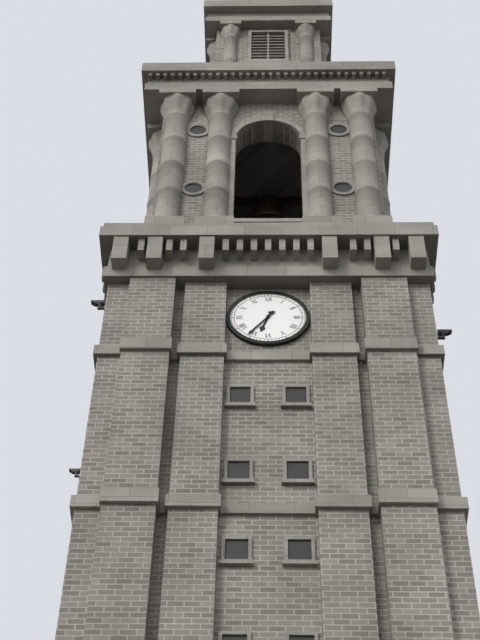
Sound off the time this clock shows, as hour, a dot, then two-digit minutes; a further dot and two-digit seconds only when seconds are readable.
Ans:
6.36
